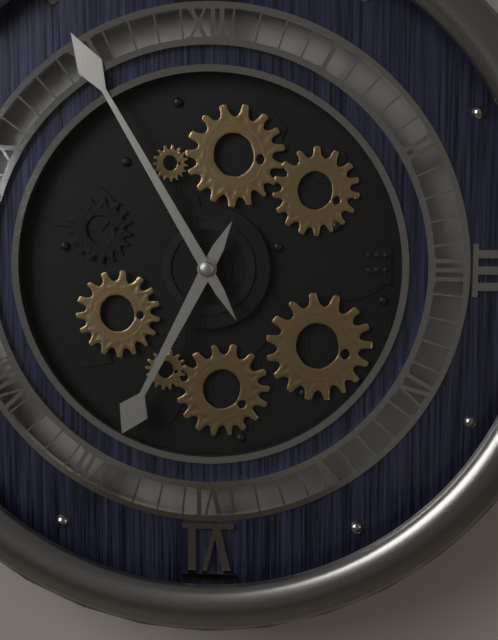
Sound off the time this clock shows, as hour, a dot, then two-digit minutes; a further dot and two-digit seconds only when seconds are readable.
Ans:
6.55
